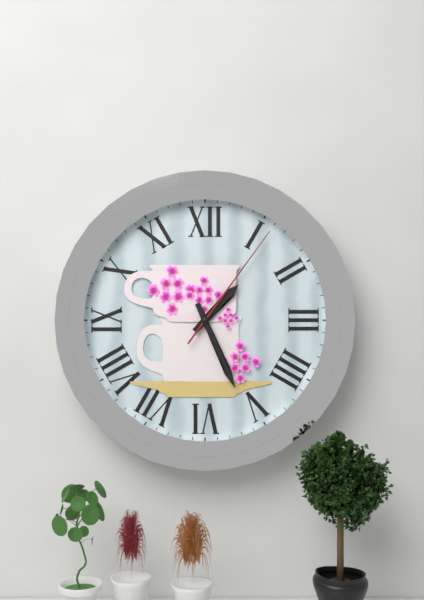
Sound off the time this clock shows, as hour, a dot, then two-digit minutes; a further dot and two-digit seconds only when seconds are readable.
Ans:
1.26.06
